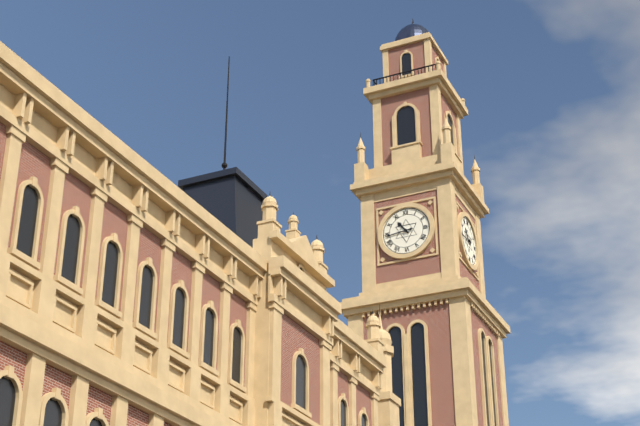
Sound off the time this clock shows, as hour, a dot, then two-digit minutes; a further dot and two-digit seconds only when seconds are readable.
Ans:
10.44
